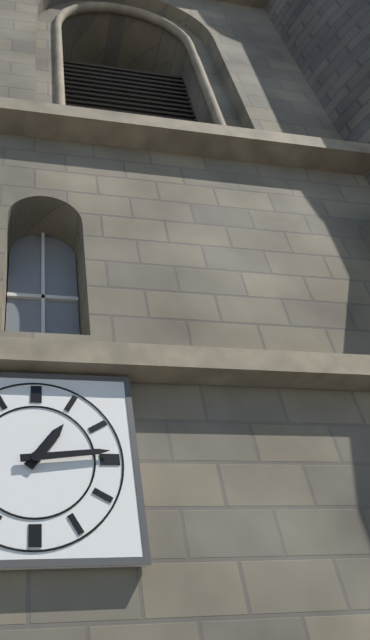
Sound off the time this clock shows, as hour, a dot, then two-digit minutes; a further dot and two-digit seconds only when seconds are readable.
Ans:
1.14
